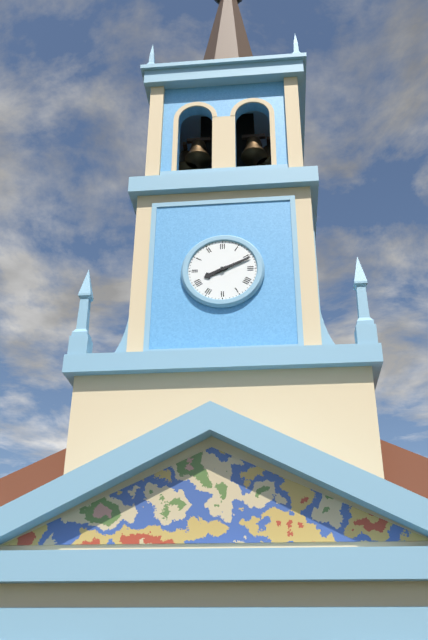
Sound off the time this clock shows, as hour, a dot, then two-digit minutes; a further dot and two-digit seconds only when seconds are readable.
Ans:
8.11
